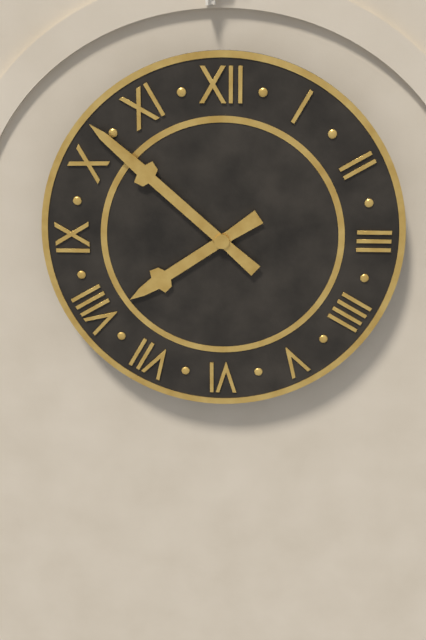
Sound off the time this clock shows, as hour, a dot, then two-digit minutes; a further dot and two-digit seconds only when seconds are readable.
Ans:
7.52
